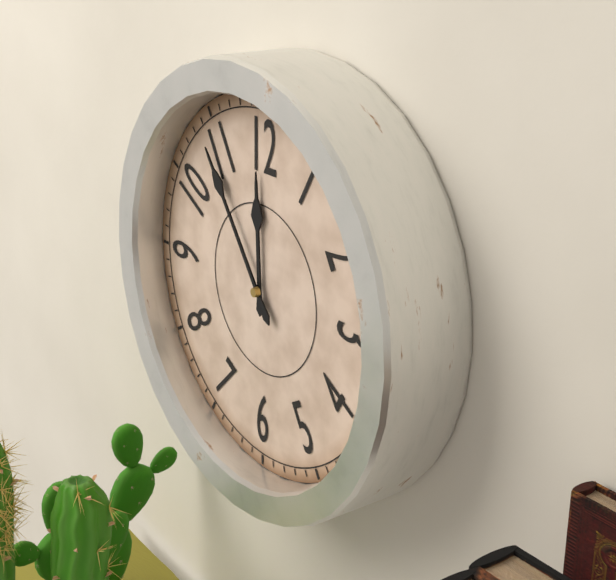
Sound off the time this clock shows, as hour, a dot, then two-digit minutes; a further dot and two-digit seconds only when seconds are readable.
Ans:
11.54
